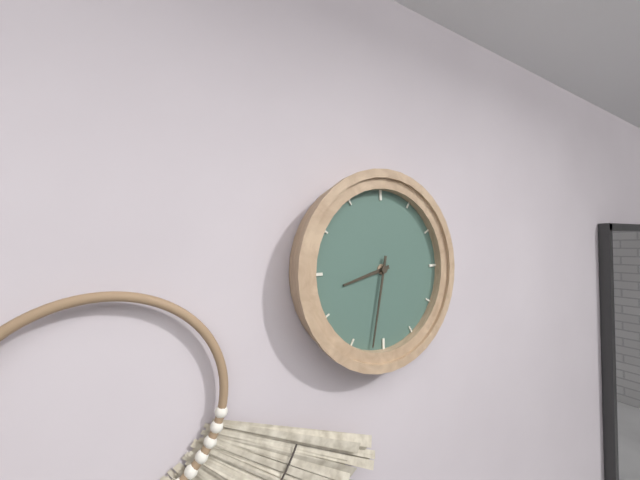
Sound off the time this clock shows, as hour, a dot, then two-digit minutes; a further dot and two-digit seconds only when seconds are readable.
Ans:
8.32
